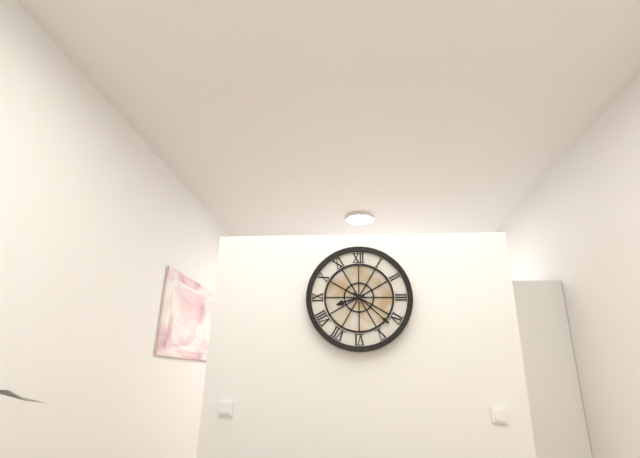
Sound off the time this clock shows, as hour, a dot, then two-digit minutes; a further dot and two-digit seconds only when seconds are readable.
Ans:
8.22
